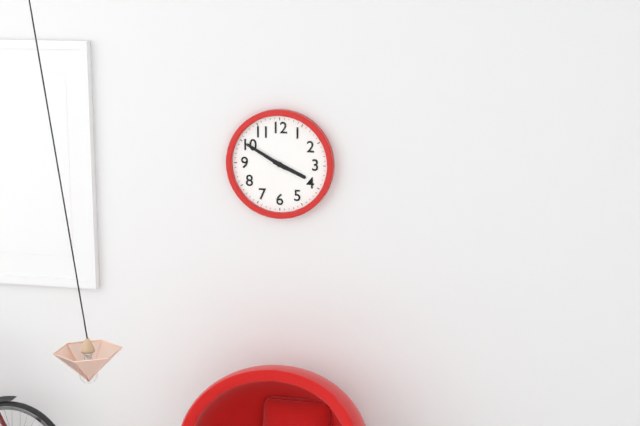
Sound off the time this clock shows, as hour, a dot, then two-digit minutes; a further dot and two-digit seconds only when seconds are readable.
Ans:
3.50
